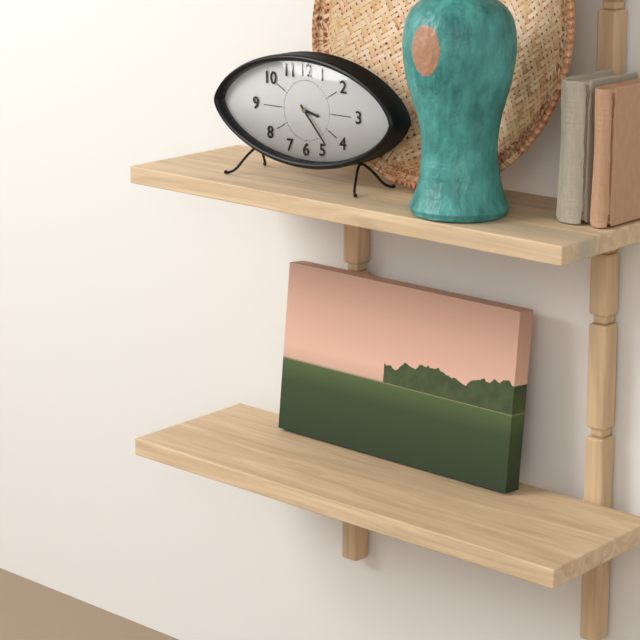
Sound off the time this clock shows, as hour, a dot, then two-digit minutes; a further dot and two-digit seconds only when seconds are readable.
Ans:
3.23
